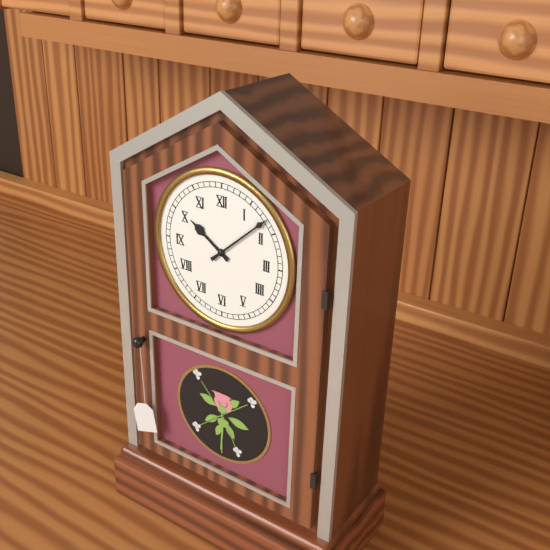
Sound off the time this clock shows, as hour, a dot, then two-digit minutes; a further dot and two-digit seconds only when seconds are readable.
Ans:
10.08
